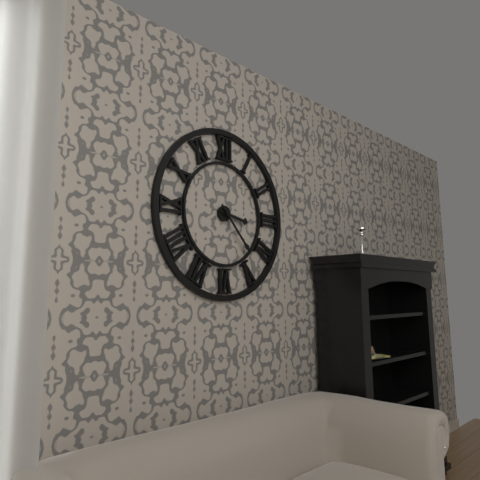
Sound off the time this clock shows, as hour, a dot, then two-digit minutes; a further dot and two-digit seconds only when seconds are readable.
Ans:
3.23
